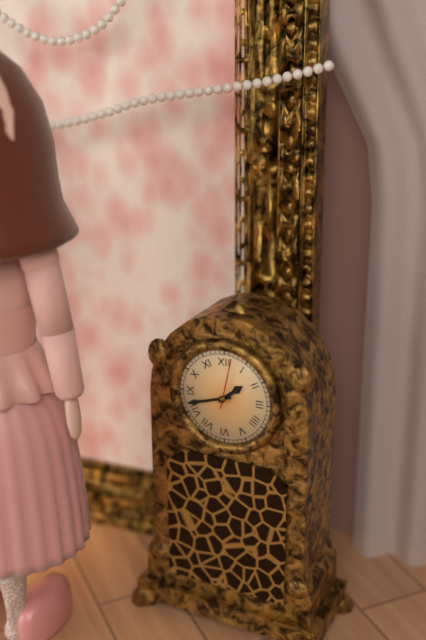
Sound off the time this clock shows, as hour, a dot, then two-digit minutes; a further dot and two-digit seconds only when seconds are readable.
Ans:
1.42
